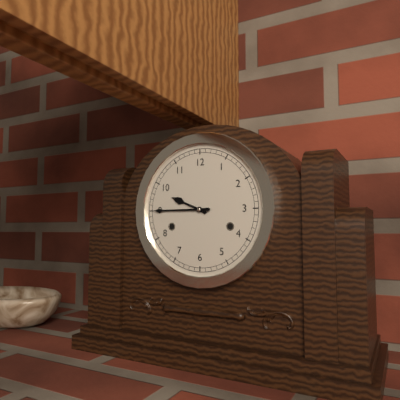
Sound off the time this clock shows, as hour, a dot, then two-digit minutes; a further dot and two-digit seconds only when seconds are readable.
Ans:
9.45
